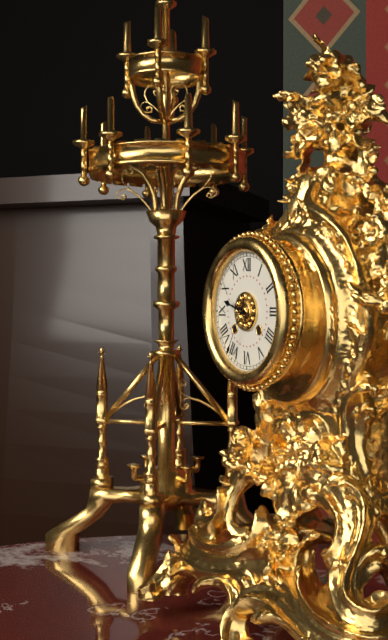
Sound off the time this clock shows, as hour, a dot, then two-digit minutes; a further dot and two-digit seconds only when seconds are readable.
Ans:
9.35
